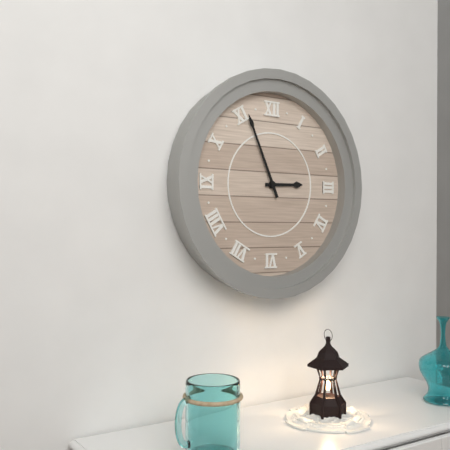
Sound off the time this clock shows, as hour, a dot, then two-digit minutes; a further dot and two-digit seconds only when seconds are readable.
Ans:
2.56
